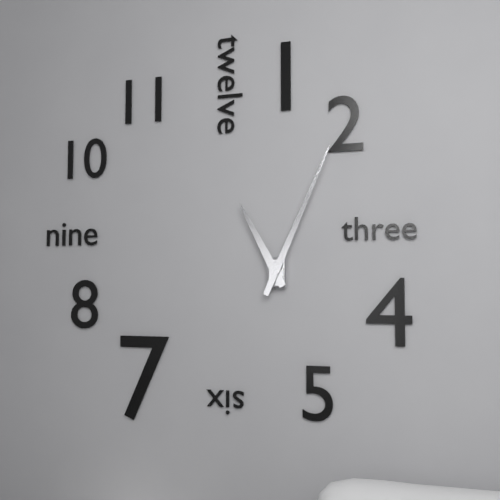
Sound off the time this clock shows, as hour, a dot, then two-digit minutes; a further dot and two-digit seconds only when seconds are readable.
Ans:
11.04
